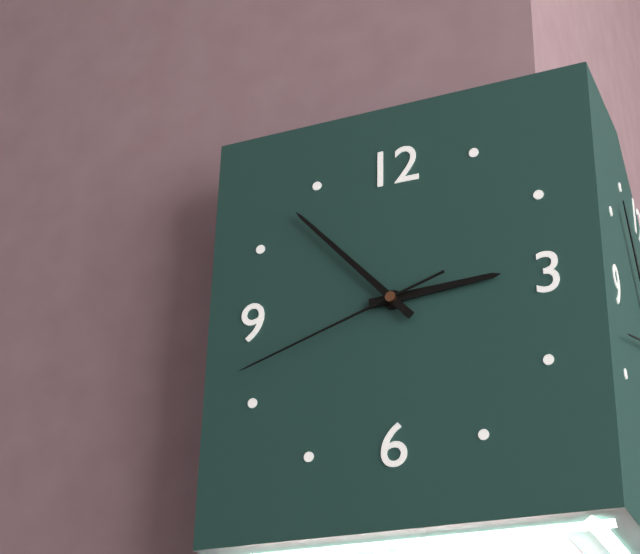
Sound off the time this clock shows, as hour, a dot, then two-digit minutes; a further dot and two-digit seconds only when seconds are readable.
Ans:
2.53.42
